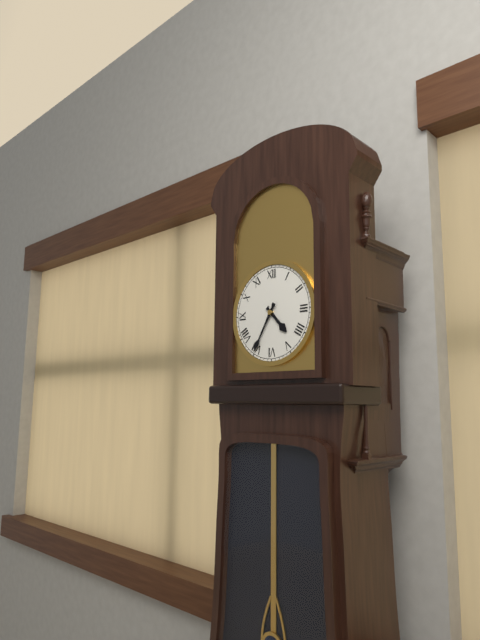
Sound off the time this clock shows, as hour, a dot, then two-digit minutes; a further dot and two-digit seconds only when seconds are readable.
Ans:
4.35
